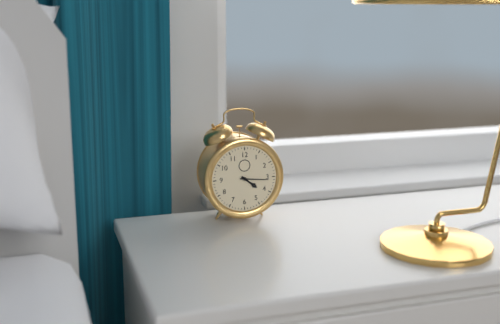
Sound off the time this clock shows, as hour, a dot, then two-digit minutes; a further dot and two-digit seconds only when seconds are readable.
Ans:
4.16
